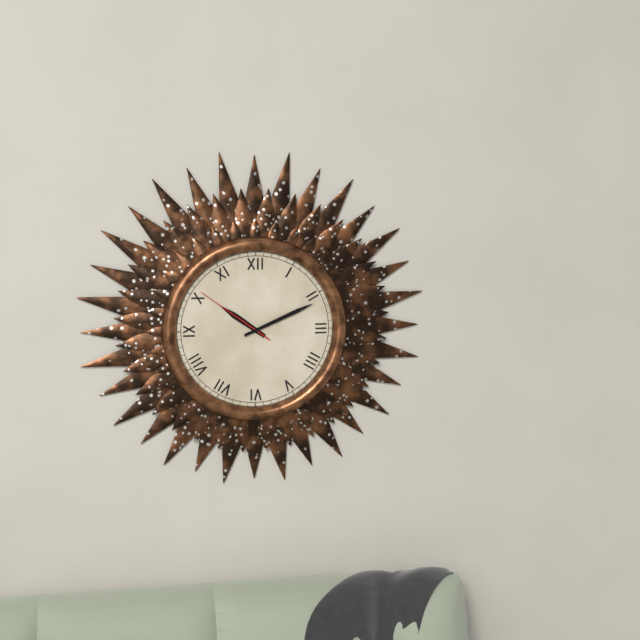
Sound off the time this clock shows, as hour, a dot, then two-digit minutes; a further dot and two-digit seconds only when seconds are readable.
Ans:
10.11.51
